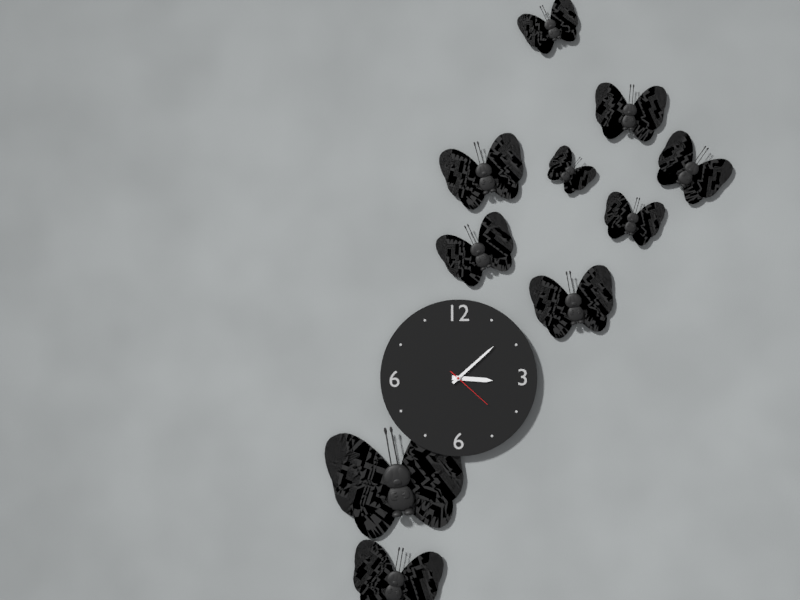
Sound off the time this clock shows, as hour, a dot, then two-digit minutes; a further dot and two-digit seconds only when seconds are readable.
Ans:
3.08.22
